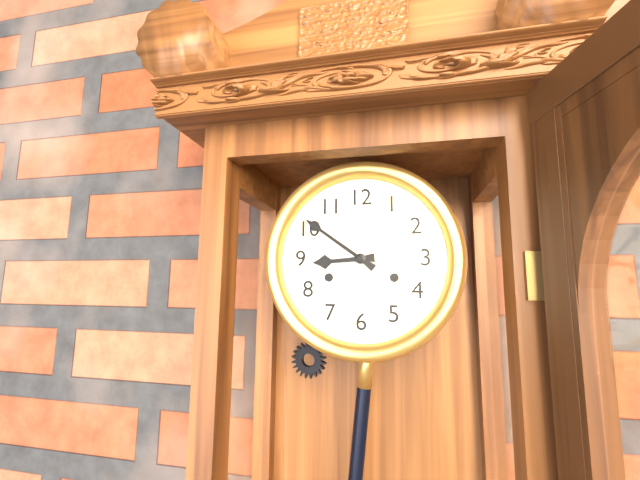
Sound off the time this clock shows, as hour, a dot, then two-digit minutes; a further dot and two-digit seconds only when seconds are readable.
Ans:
8.51
